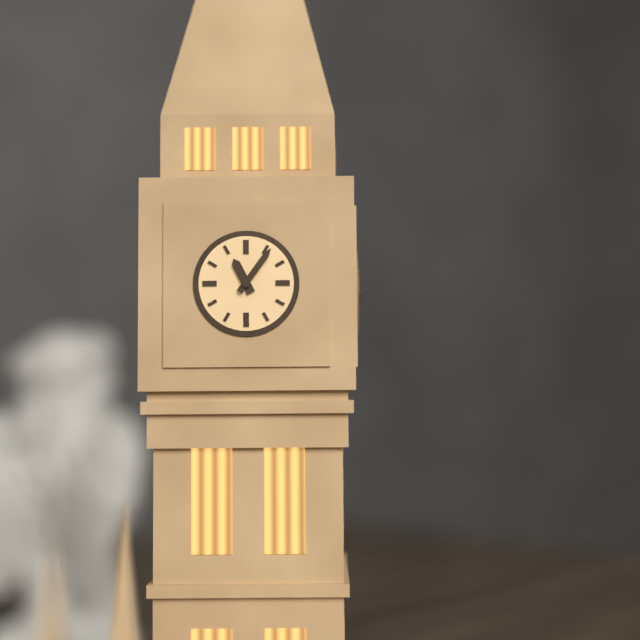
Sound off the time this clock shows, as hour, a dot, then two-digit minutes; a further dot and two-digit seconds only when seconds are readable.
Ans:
11.06
